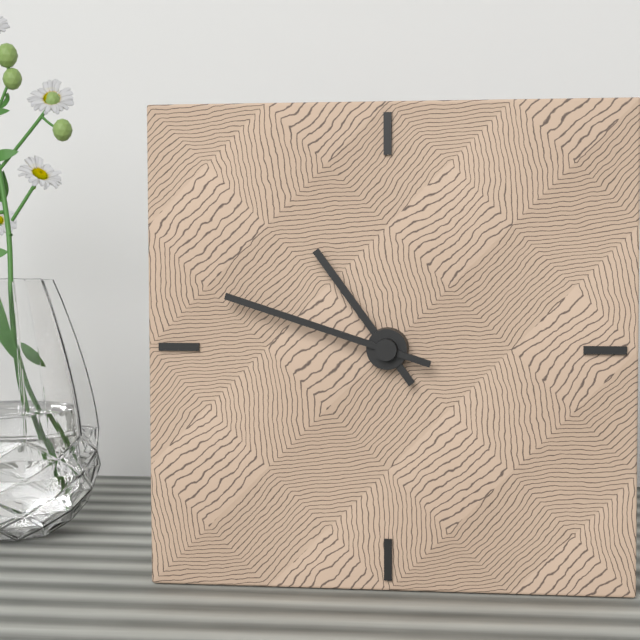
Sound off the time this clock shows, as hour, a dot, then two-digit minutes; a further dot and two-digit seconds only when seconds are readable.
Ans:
10.48
